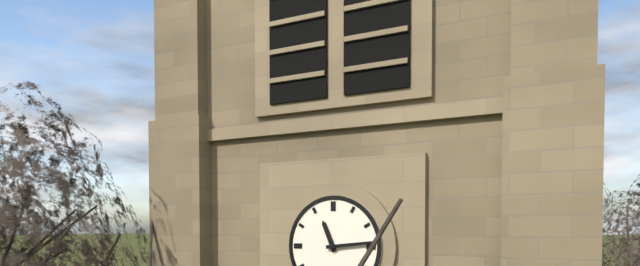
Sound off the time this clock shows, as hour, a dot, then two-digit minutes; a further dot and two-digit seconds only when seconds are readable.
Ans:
11.14
